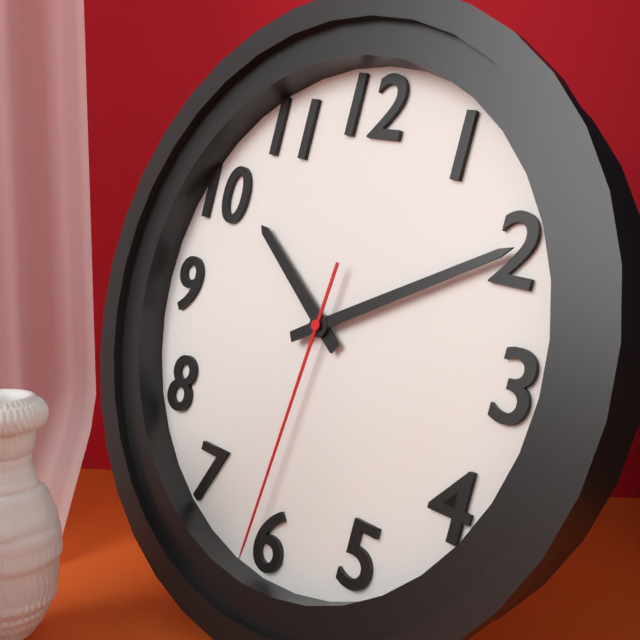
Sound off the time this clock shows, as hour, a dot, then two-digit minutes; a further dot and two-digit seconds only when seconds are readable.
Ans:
10.10.31
